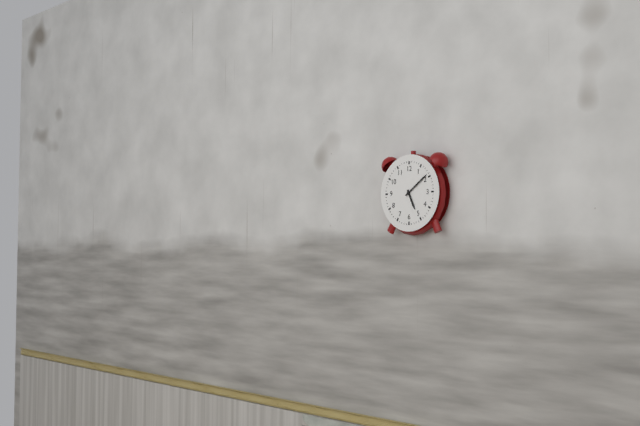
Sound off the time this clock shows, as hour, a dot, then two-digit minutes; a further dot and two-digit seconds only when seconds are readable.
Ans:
5.09
